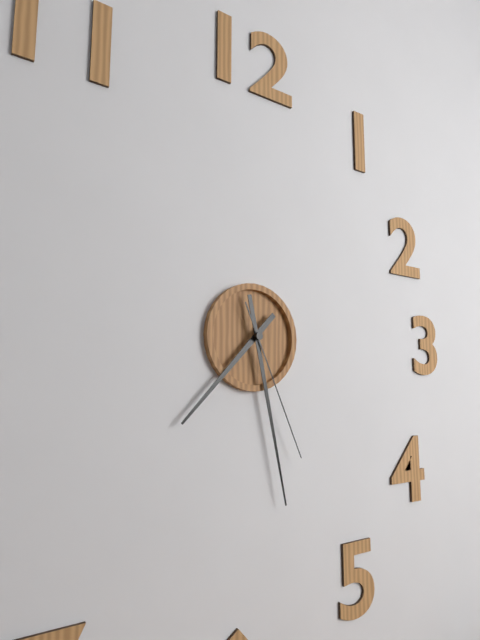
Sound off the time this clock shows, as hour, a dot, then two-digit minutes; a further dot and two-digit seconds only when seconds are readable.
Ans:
7.28.26
